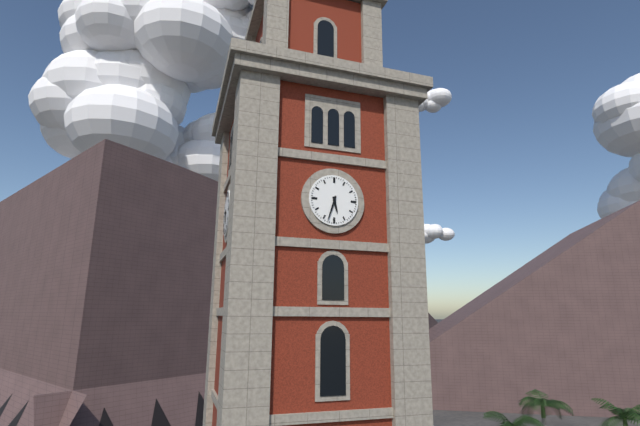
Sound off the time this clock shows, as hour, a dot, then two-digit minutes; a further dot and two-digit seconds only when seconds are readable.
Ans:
5.33
